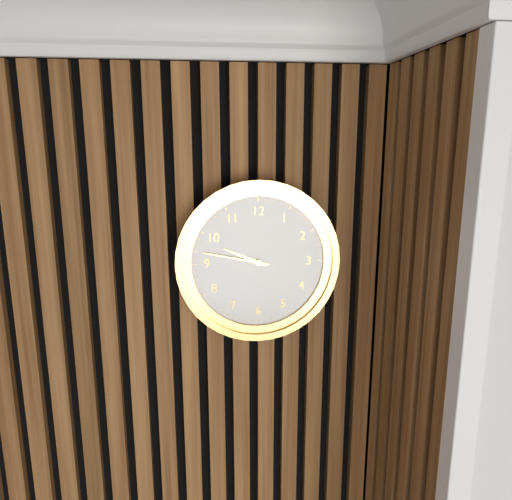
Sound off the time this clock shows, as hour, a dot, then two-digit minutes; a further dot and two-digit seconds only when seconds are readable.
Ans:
9.47
